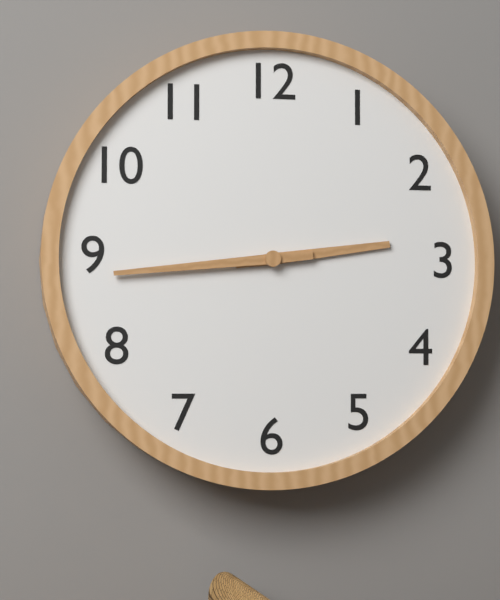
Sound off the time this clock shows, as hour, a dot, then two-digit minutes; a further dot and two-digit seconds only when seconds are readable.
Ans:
2.44
